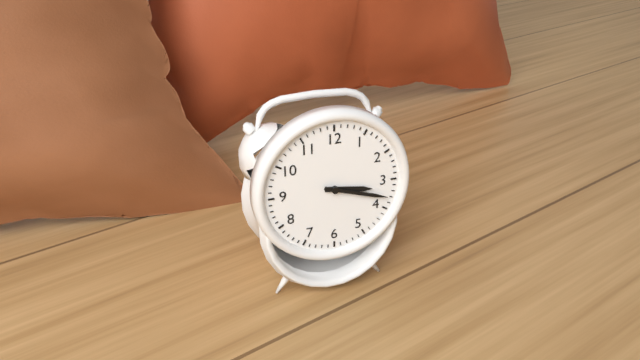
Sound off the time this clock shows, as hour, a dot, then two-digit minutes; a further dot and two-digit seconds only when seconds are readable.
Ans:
3.18
